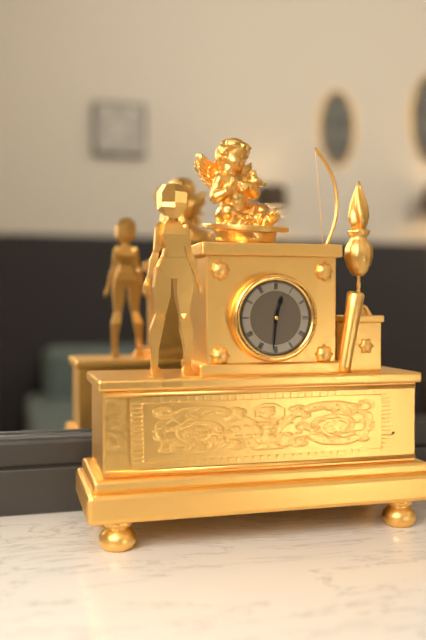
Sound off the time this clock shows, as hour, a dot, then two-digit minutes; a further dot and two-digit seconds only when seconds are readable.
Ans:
12.31
